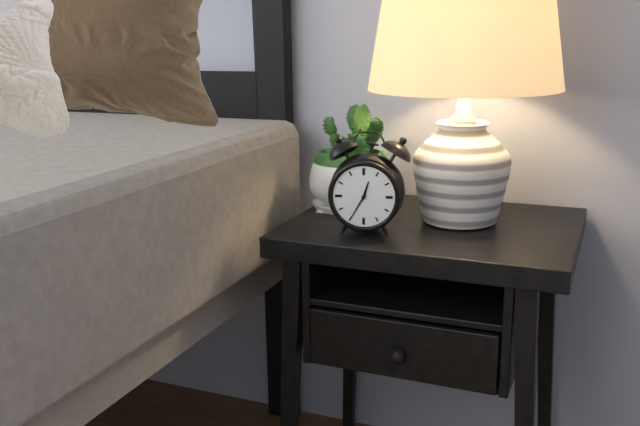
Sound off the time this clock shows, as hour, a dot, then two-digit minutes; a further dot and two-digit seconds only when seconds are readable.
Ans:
12.35
